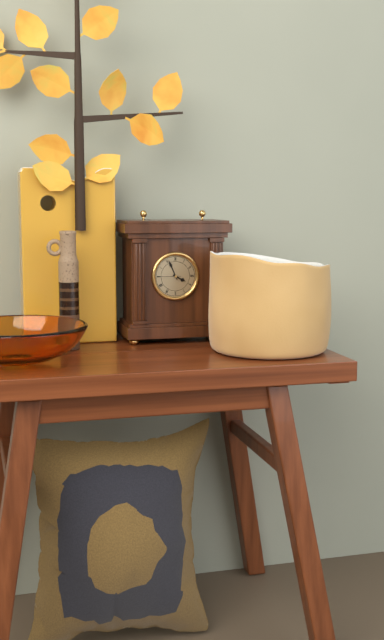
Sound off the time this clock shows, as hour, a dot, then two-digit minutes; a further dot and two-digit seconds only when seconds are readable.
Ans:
3.56
